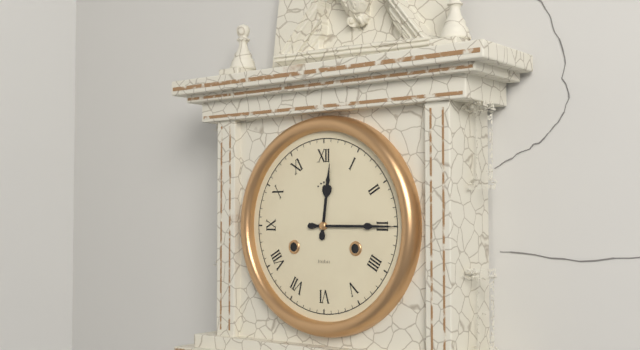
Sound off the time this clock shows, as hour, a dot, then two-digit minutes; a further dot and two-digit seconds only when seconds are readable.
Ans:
12.15
